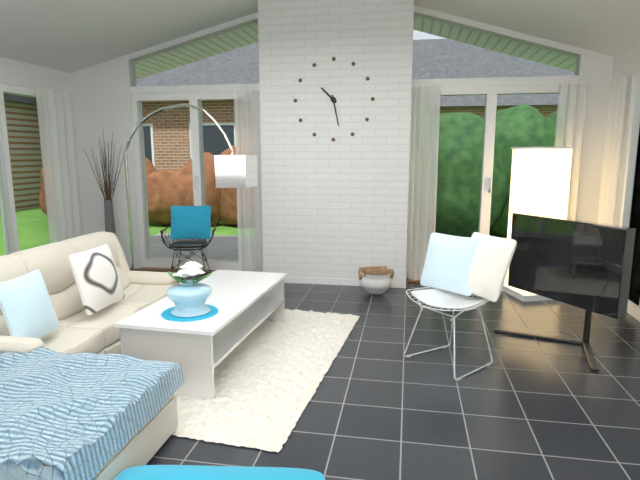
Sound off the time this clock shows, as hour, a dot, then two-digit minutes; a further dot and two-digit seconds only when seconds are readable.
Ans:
10.28
